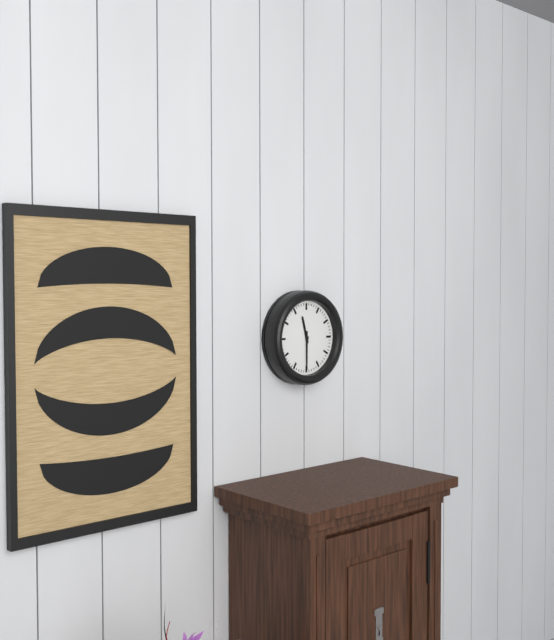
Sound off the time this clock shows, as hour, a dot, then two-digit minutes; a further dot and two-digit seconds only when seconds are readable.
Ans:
11.30
